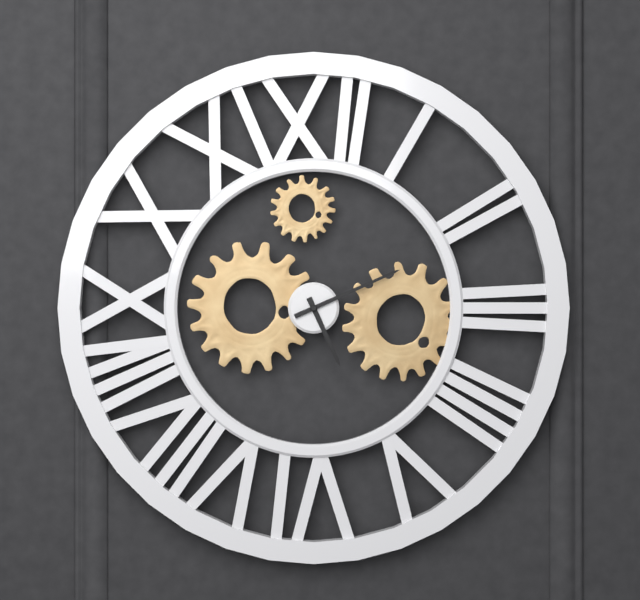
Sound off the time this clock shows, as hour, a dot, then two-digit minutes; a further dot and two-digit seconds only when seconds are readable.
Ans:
5.11
